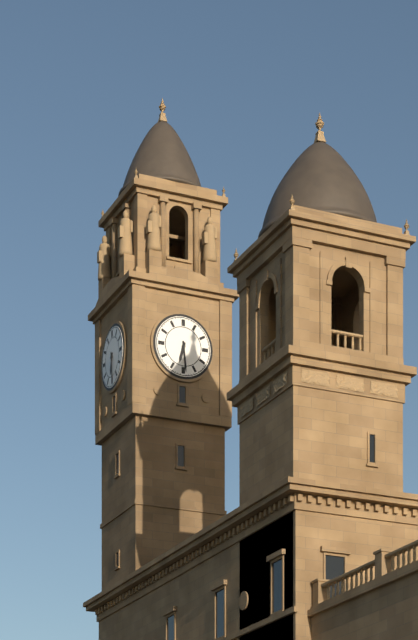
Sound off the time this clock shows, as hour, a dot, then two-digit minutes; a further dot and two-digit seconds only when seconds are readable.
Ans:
6.29
